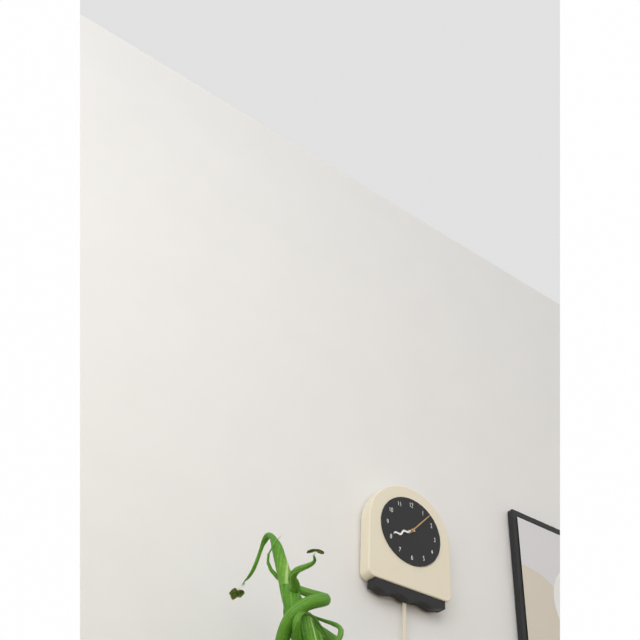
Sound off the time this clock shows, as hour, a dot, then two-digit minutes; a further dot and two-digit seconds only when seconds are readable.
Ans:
8.07
